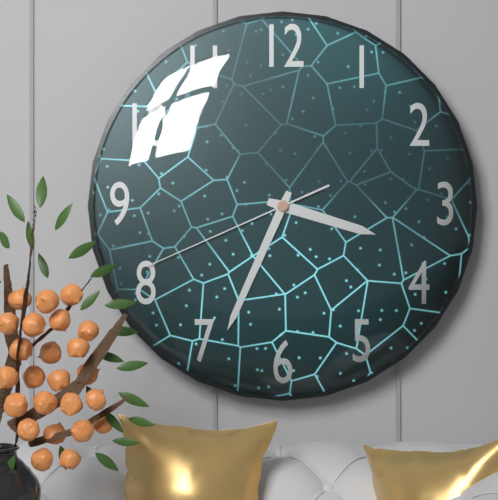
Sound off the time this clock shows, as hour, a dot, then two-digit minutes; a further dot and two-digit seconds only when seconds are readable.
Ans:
3.34.41
